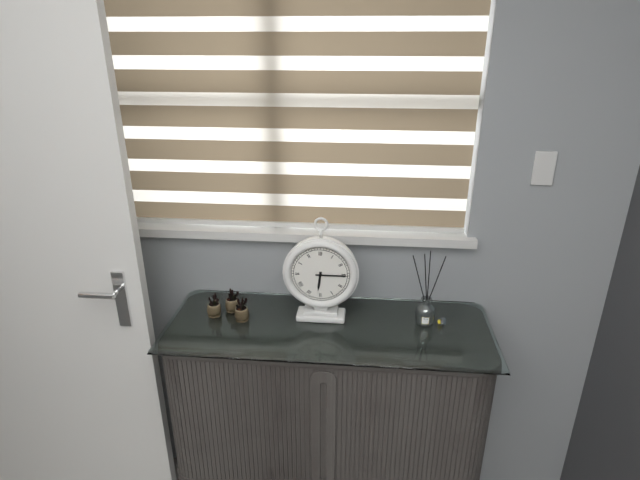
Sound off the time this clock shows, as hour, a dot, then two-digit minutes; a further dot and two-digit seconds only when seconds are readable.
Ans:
6.15
